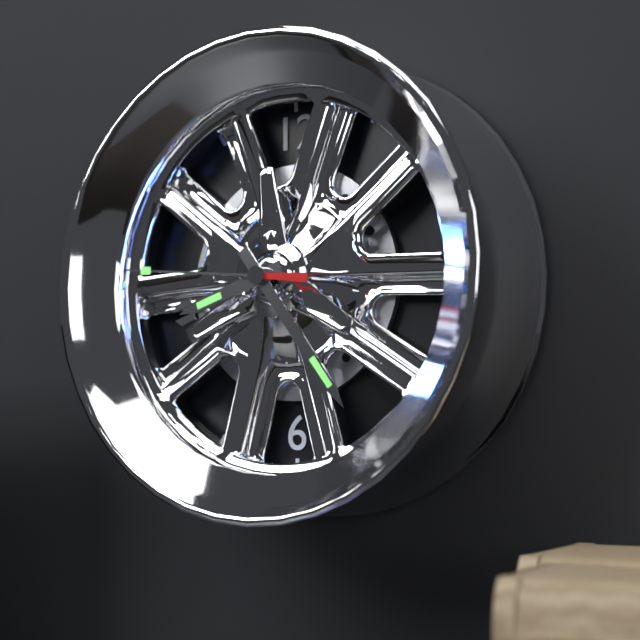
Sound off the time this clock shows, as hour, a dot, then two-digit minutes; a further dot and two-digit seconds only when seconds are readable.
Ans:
8.24.46
